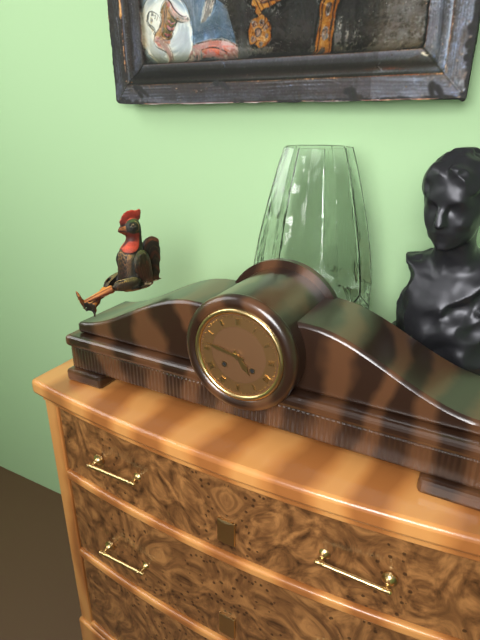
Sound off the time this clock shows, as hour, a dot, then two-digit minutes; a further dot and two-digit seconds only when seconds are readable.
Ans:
4.47
